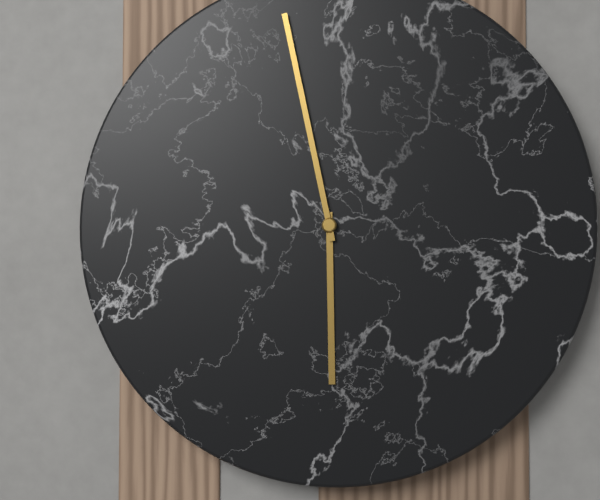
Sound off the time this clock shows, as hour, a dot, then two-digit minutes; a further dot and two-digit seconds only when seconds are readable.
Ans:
5.58
